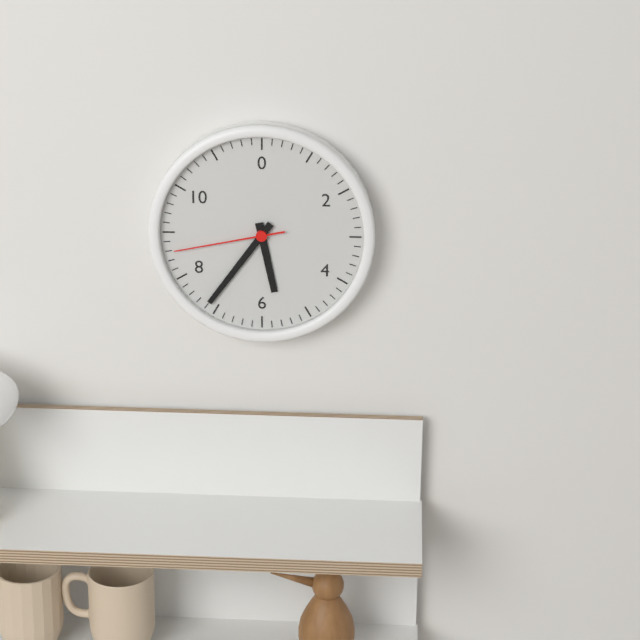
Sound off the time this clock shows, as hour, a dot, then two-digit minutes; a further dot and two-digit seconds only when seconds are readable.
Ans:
5.36.43
